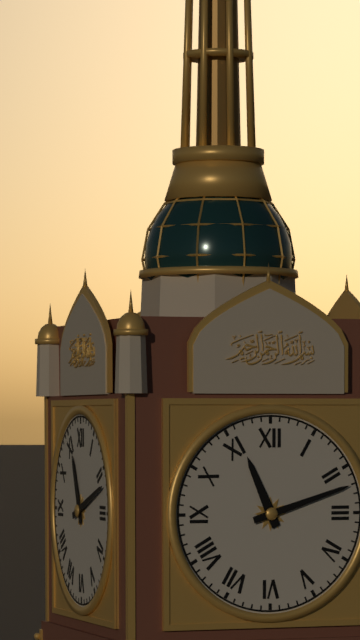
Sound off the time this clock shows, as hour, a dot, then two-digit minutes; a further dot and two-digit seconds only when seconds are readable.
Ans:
11.12
